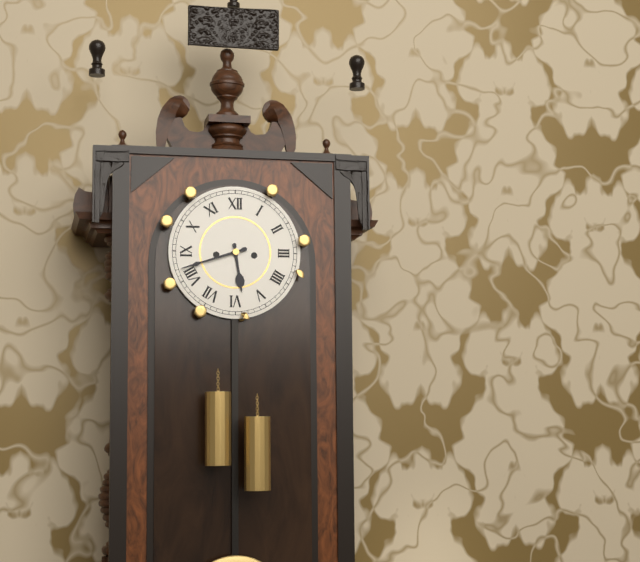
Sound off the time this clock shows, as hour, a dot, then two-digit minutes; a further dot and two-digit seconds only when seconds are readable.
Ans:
5.42
